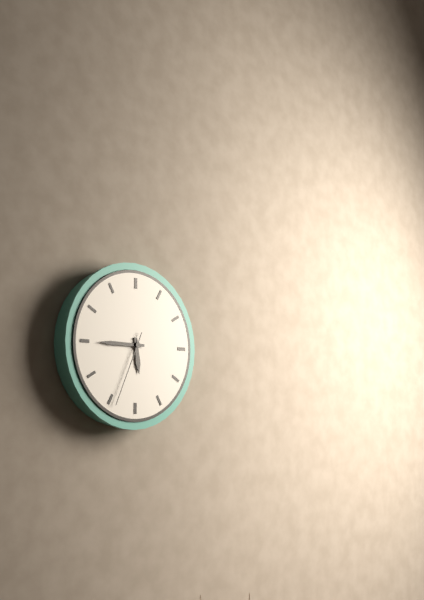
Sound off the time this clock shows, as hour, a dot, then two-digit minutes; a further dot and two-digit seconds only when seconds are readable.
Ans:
5.45.34
